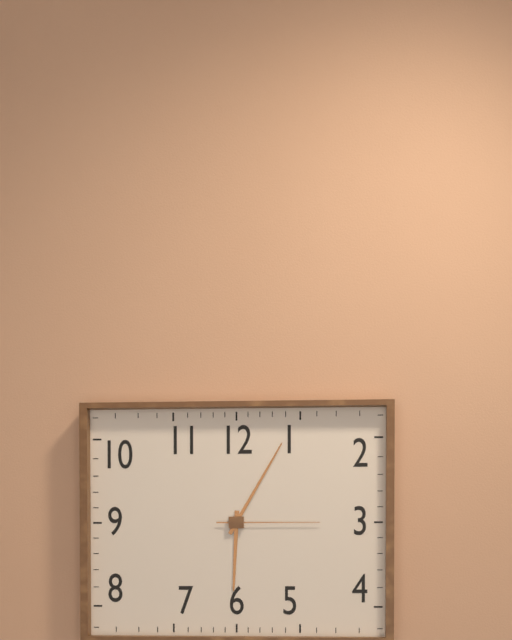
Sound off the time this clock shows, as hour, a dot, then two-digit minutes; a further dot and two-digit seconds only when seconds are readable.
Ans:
6.05.15
